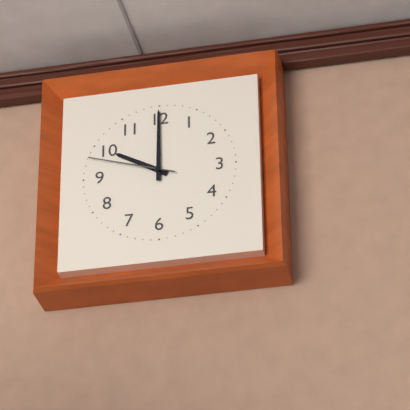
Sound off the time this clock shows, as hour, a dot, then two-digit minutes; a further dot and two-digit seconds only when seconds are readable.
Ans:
10.00.48
